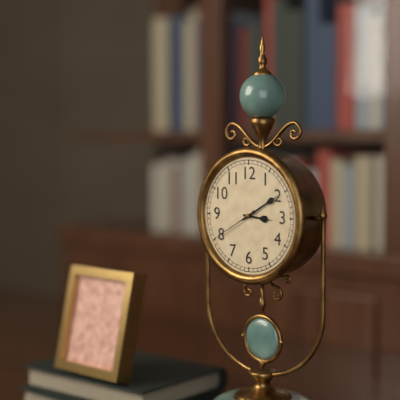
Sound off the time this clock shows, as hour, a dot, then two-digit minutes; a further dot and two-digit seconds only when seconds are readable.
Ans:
3.10
